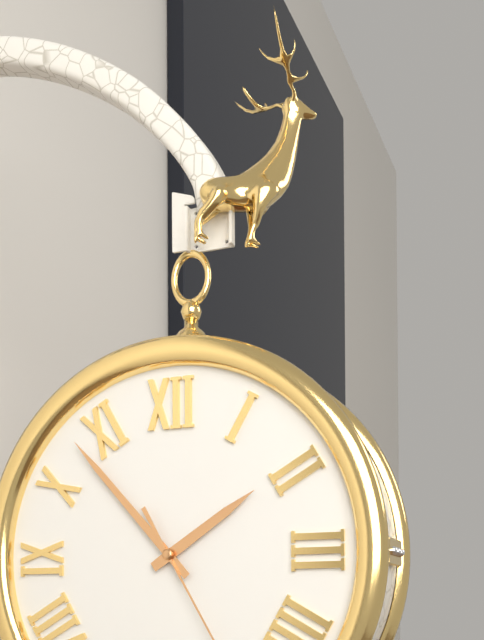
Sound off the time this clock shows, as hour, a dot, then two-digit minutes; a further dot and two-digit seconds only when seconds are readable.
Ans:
1.53
